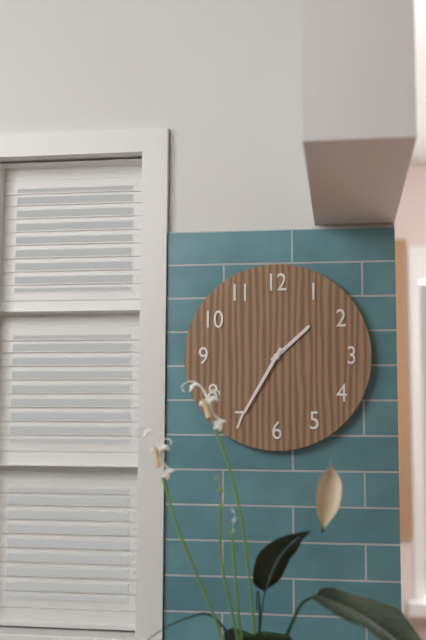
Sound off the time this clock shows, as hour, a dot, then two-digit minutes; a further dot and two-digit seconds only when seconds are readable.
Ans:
1.35
